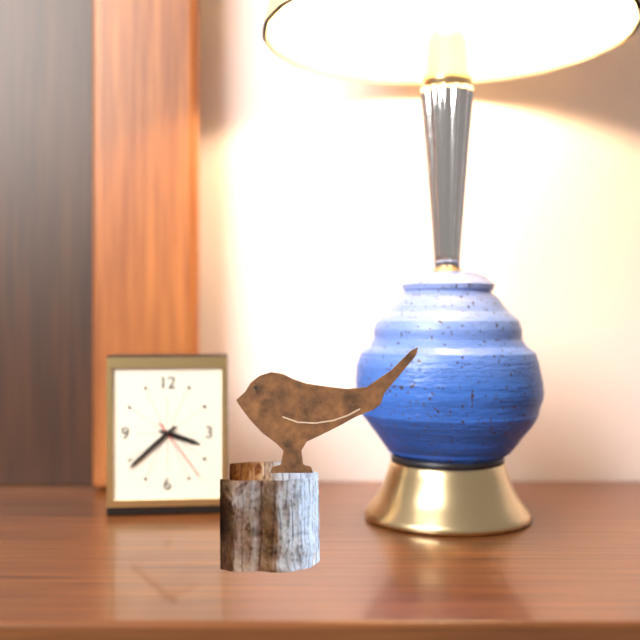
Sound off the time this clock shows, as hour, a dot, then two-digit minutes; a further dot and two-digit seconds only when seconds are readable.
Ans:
3.38.24
